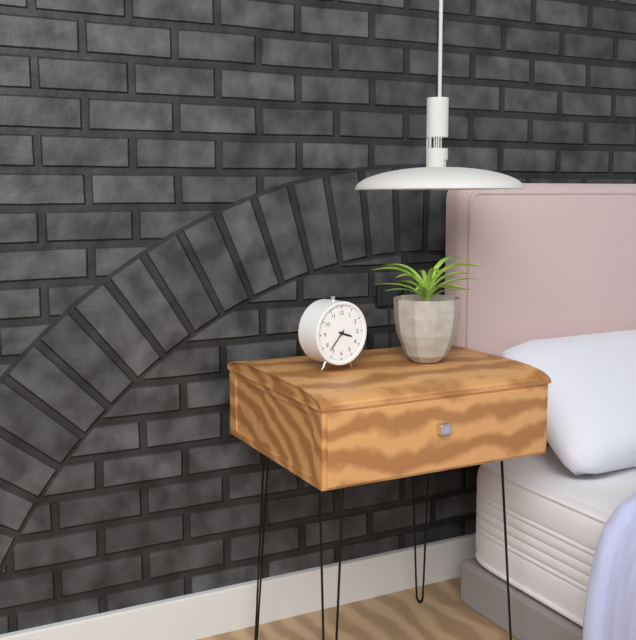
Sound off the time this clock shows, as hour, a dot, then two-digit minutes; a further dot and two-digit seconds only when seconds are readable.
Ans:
3.37
